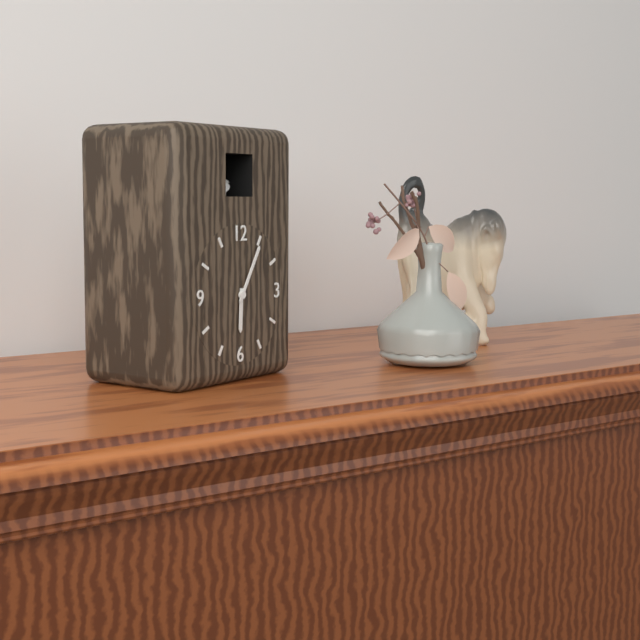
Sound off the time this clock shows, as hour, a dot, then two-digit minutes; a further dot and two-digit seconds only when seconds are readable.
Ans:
6.05
